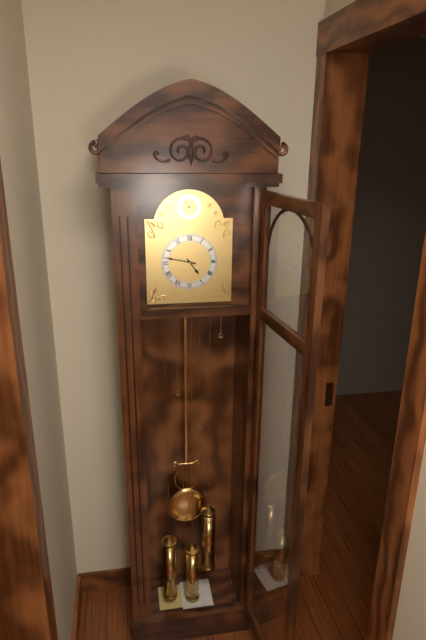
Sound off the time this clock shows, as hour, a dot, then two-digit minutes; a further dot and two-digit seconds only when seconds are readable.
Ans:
4.47
